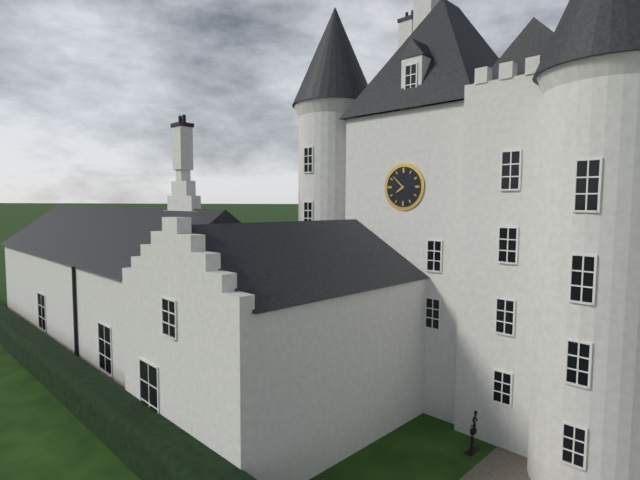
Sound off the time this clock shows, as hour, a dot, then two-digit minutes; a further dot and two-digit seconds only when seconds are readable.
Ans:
7.52
